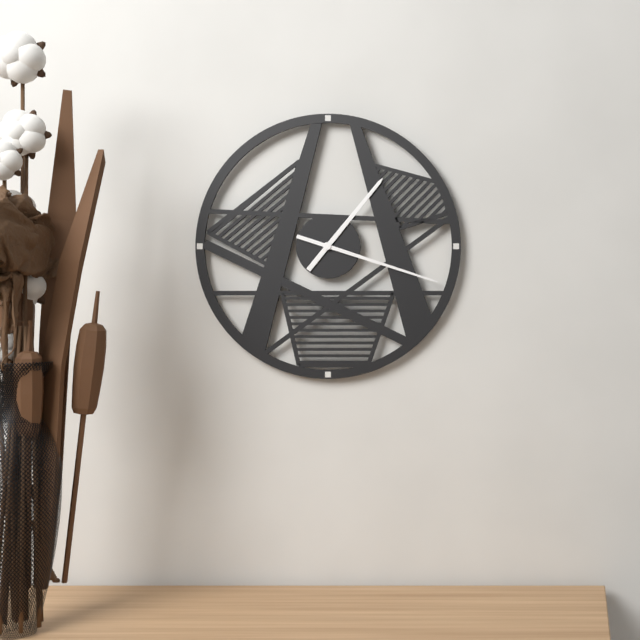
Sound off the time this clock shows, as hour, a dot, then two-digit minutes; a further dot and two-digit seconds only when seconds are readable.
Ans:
1.18
